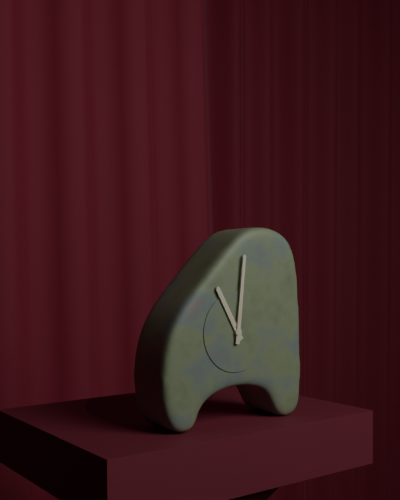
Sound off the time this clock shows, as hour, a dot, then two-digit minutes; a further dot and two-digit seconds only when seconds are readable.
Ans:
11.01
